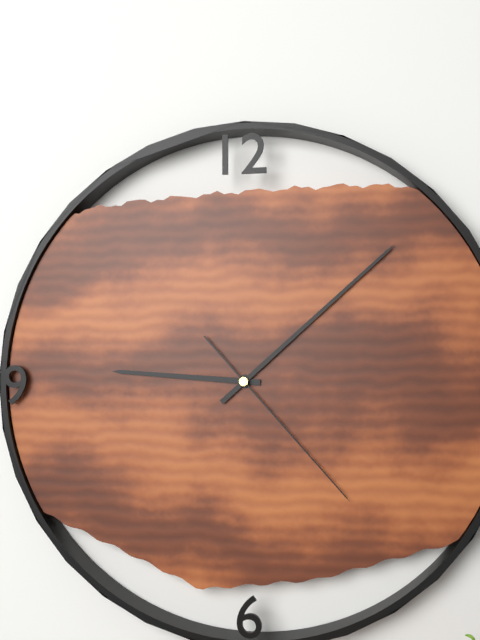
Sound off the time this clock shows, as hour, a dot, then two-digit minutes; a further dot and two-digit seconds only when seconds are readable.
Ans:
9.08.23
